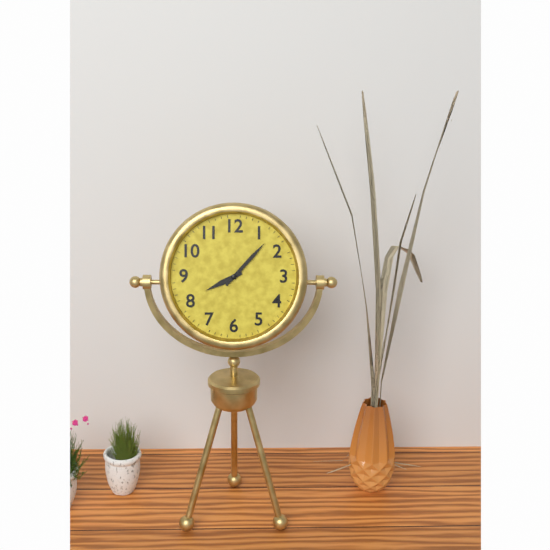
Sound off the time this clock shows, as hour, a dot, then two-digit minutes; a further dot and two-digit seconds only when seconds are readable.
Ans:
8.07
